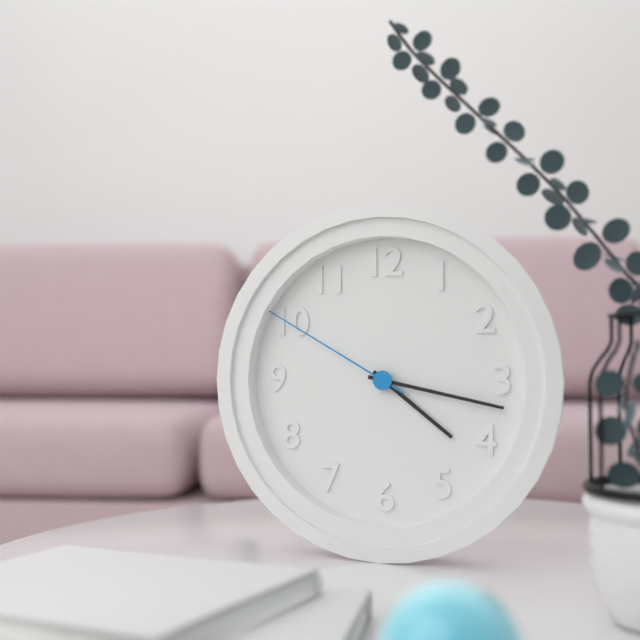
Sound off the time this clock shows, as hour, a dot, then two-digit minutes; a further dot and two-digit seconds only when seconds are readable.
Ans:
4.17.50
